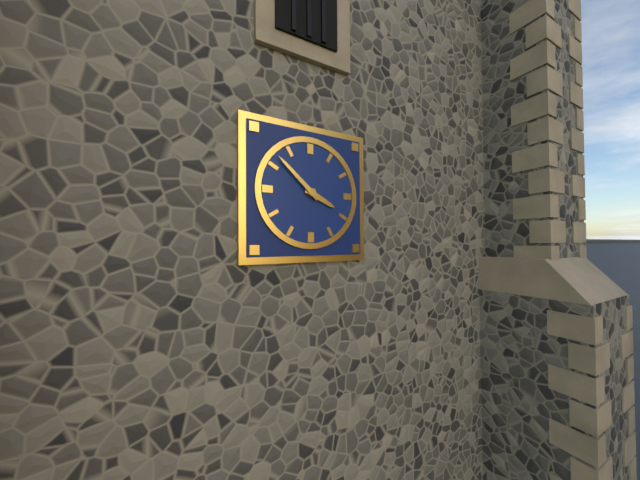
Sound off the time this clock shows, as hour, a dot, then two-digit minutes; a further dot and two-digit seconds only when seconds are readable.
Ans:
3.52
